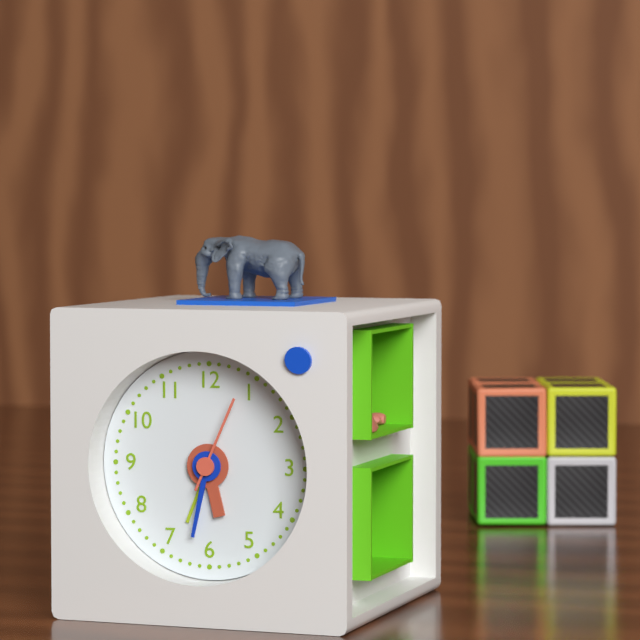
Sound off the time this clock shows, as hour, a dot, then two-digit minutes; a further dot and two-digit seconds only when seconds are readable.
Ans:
5.32.04
